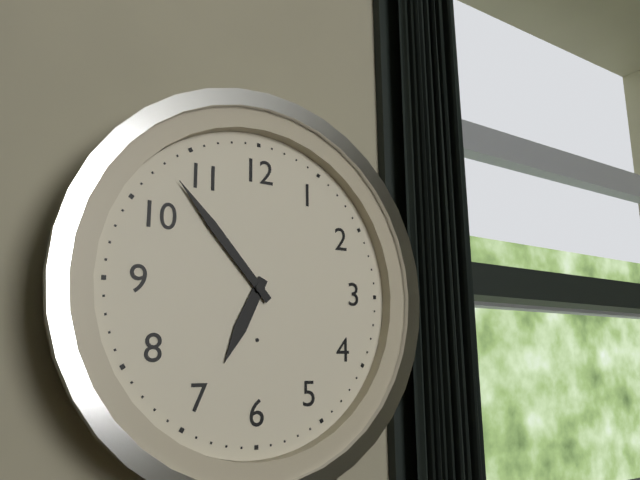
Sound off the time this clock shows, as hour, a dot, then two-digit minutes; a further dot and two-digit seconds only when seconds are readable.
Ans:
6.53
